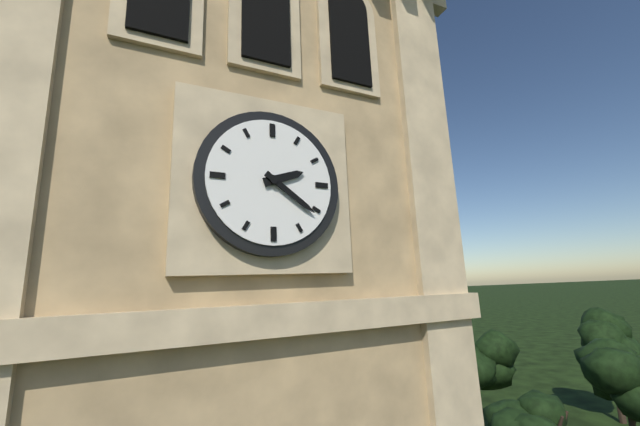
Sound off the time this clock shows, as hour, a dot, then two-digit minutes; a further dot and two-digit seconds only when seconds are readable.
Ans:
2.21
